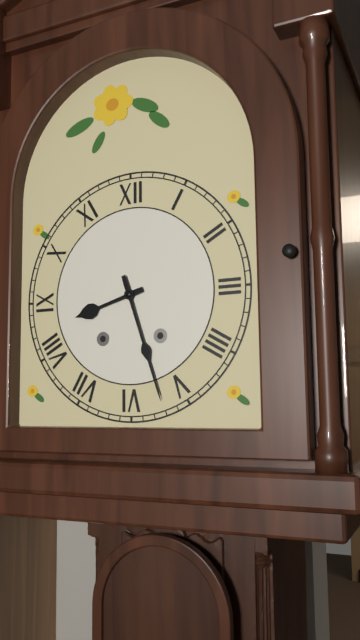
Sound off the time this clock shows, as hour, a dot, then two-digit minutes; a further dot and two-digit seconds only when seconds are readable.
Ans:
8.27
